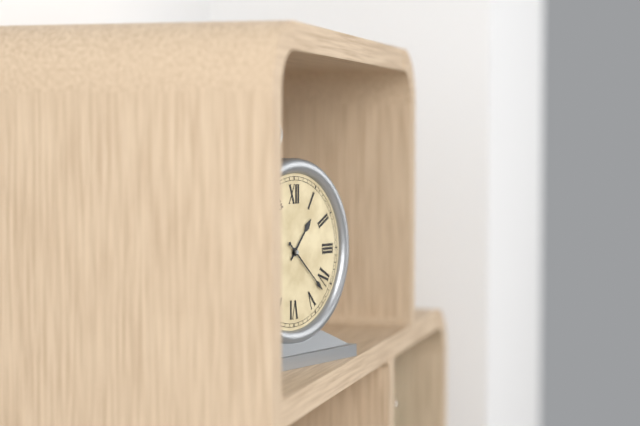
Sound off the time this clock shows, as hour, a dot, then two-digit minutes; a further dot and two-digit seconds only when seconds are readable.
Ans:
1.22
